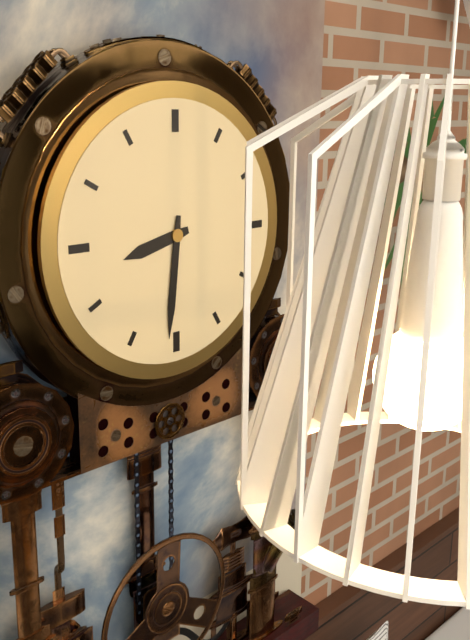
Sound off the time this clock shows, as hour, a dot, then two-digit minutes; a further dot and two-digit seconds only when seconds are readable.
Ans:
8.31
